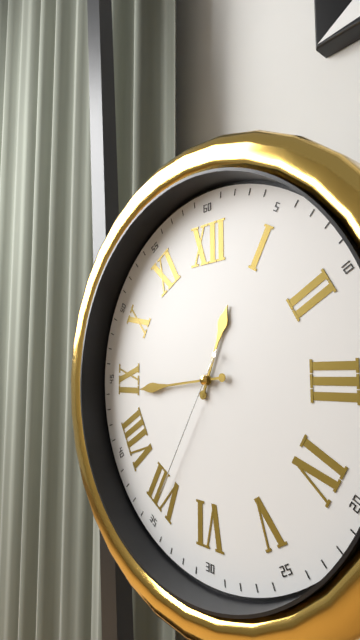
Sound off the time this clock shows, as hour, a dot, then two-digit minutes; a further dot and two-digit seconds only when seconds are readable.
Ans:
12.44.35
